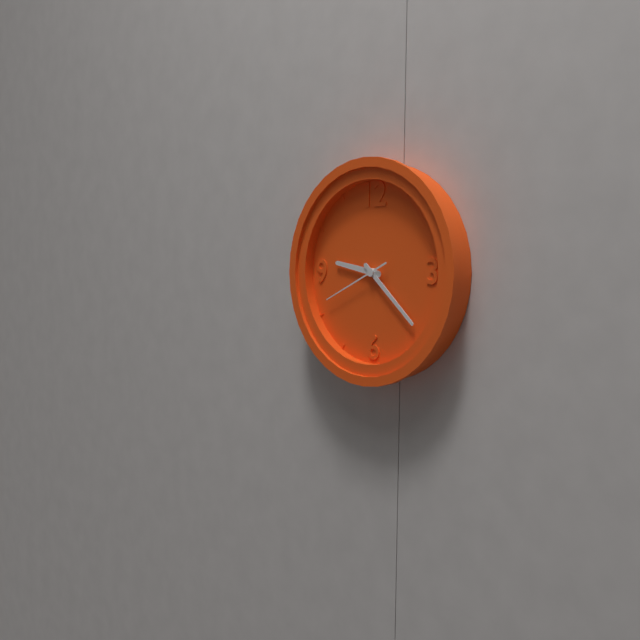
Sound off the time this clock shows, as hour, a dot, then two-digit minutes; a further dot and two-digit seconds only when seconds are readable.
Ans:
9.22.41
